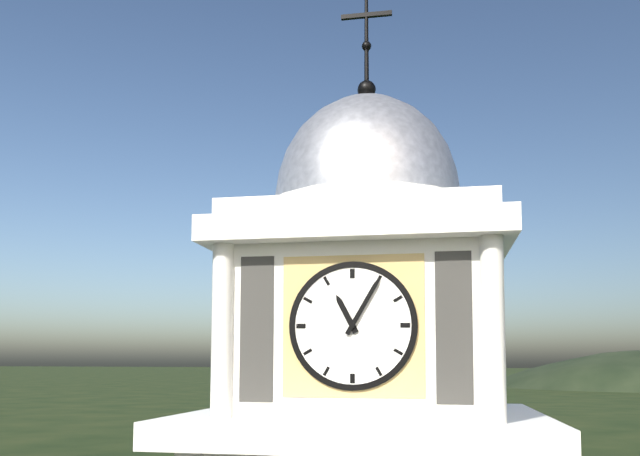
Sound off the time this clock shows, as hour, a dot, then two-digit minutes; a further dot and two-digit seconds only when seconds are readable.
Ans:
11.05
